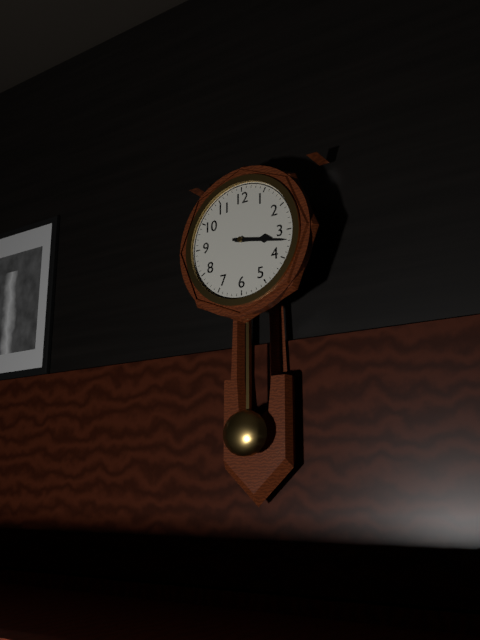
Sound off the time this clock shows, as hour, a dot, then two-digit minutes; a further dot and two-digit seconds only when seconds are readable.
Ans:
3.17
